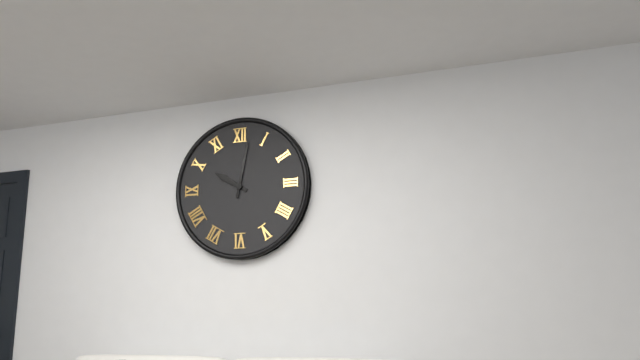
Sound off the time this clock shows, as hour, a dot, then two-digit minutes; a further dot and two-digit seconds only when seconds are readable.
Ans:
10.02
